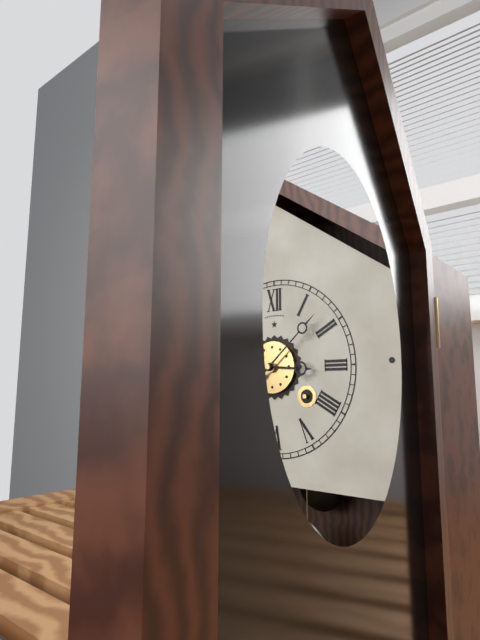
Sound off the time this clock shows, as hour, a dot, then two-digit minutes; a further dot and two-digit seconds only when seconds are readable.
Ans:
3.08
